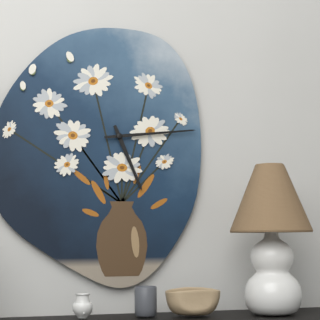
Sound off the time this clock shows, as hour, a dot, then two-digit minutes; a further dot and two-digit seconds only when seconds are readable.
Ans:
5.14
